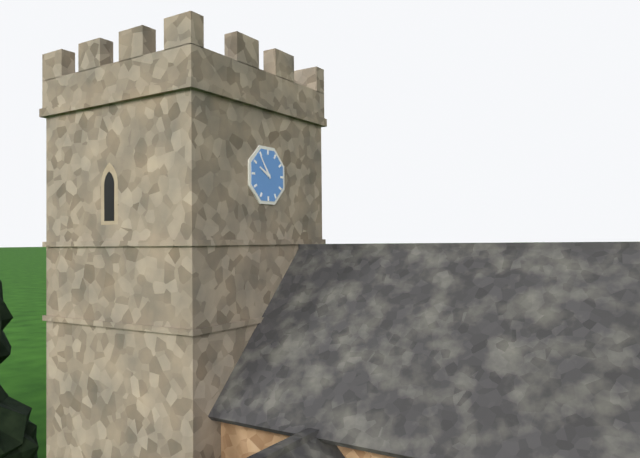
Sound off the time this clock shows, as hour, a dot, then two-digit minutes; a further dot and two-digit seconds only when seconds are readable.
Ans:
9.54
